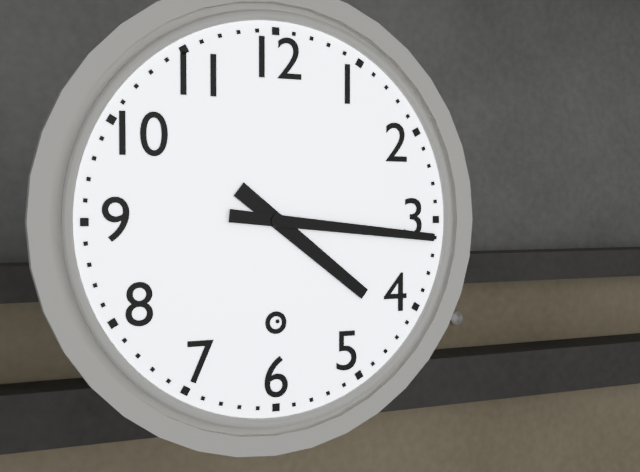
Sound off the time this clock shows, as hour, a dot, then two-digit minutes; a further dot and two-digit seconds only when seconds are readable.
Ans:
4.16
